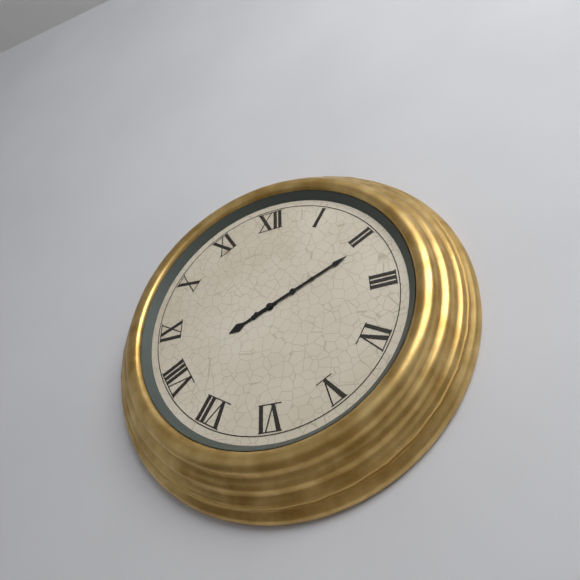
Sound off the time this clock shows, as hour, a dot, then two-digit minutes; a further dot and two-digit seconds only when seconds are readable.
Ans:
8.11
